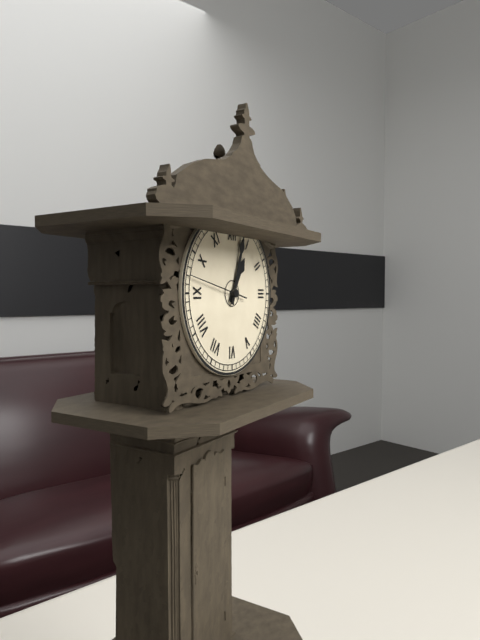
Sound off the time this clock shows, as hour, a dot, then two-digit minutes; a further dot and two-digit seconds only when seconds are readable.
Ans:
1.03.47
